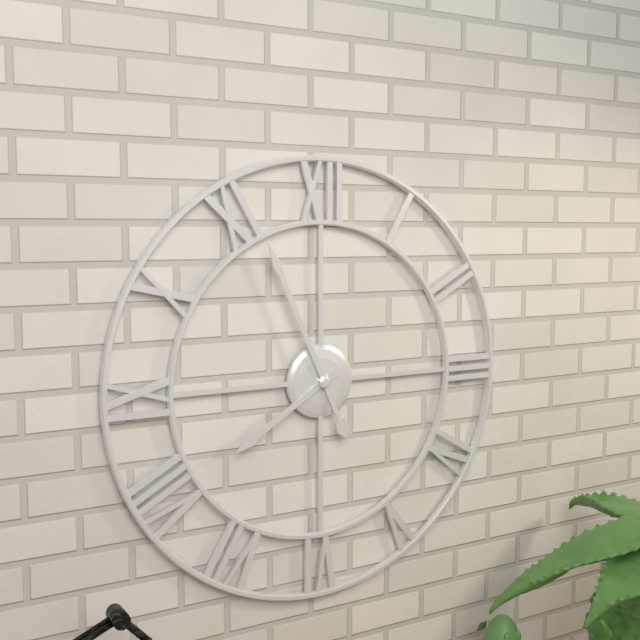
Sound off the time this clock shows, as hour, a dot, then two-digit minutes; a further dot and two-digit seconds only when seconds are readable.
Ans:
7.56
